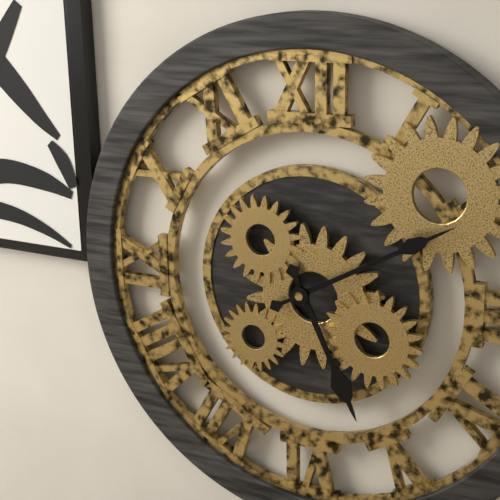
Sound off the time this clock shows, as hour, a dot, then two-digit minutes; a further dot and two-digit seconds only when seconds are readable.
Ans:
5.10
